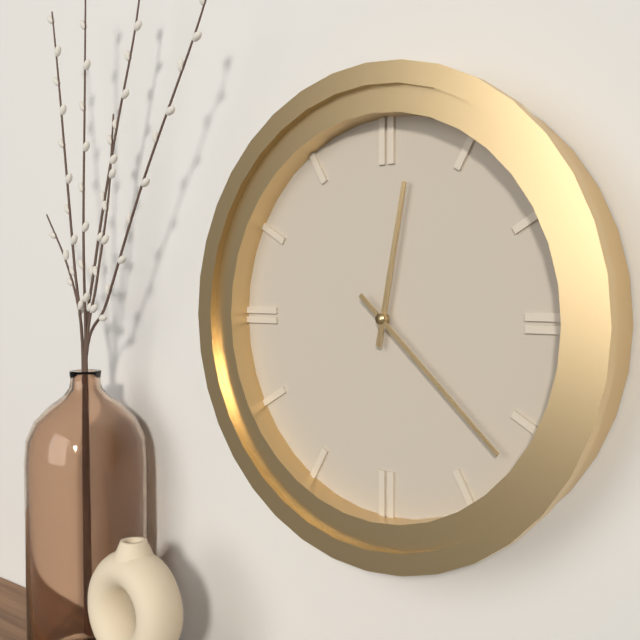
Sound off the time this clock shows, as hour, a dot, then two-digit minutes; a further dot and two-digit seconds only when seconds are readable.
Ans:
12.22
